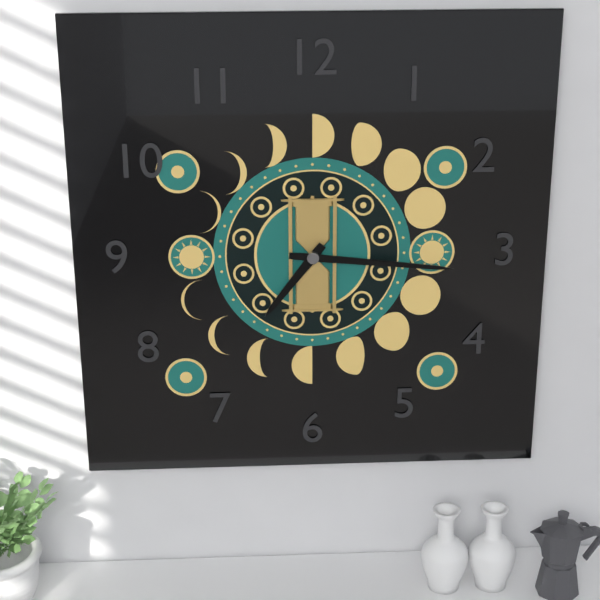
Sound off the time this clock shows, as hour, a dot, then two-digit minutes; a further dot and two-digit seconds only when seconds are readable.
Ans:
7.16
